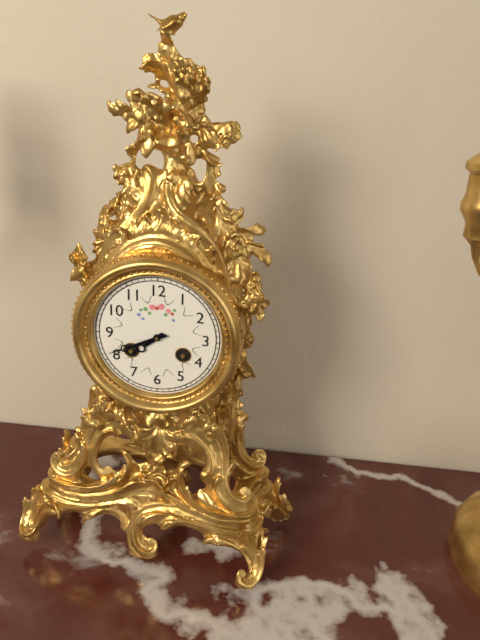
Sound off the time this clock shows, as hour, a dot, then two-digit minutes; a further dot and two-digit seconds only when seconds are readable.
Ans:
7.41
